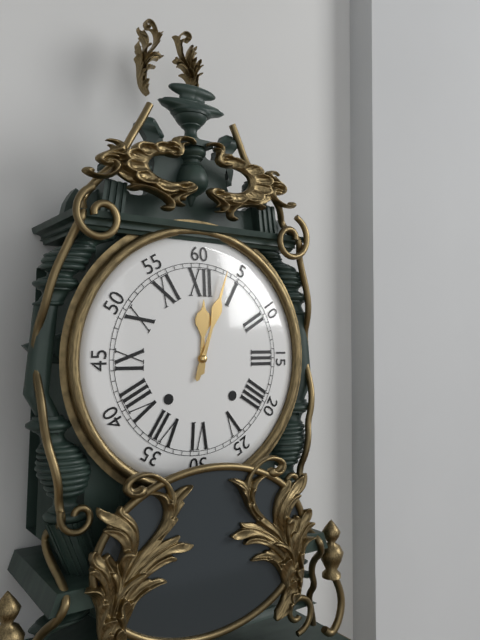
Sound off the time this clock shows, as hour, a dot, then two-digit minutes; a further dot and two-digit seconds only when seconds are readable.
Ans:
12.03
